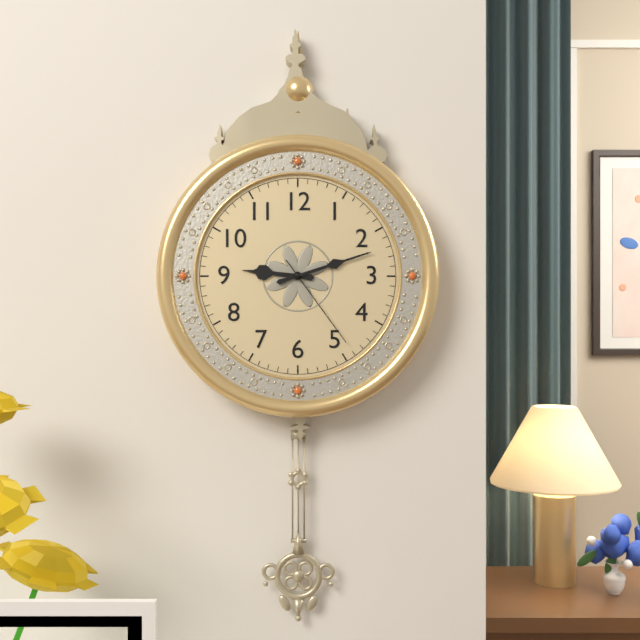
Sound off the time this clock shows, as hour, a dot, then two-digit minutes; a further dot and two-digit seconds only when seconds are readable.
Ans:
9.12.24
